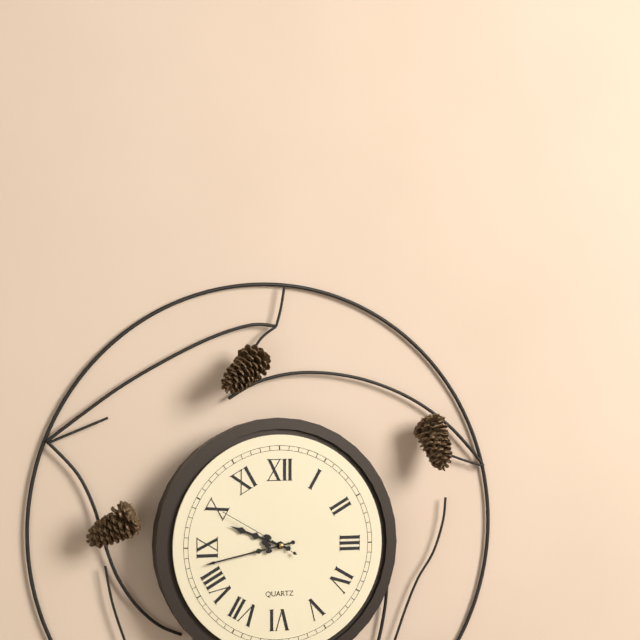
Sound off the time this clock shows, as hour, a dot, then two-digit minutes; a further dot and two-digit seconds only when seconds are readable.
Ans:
9.43.50
